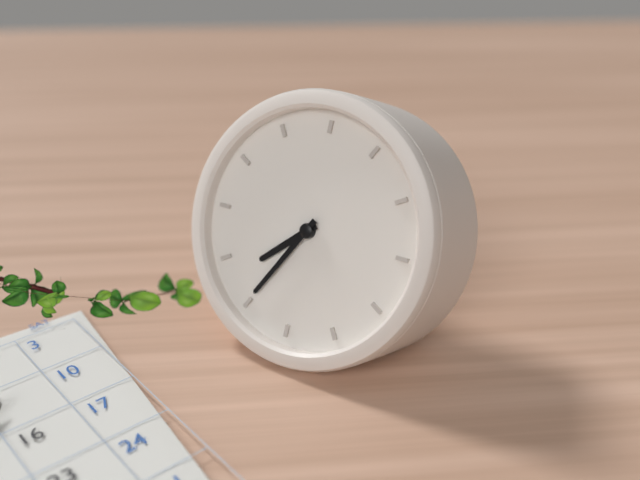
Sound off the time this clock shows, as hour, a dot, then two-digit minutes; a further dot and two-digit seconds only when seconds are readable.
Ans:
7.35
